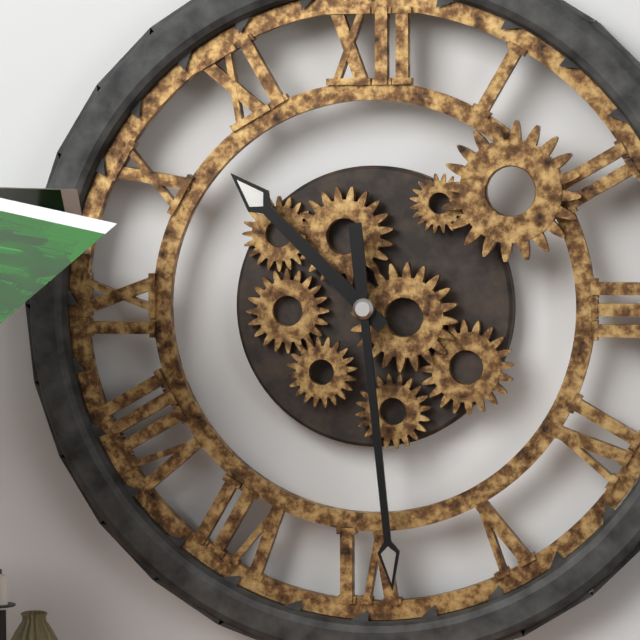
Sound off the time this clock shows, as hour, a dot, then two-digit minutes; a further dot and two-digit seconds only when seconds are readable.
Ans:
10.29
